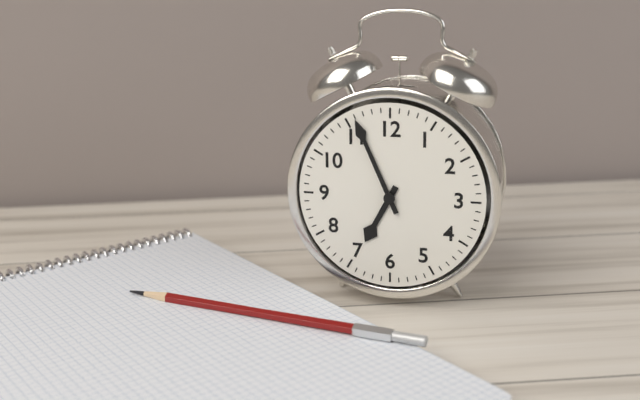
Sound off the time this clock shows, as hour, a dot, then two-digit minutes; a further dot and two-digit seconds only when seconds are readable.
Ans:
6.56
